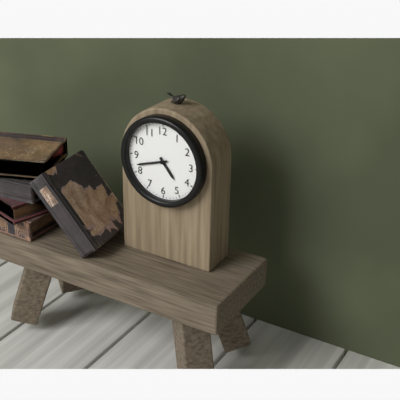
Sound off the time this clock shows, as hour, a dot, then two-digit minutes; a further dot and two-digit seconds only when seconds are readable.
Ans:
4.42
